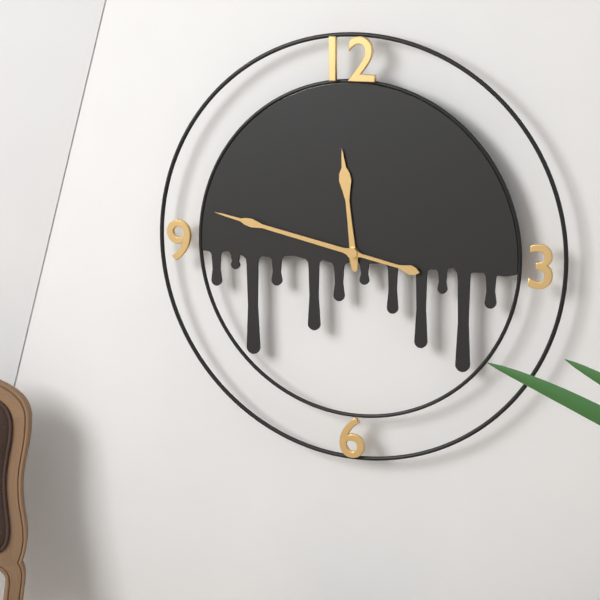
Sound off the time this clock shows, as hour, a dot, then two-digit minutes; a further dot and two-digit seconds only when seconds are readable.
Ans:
11.47
